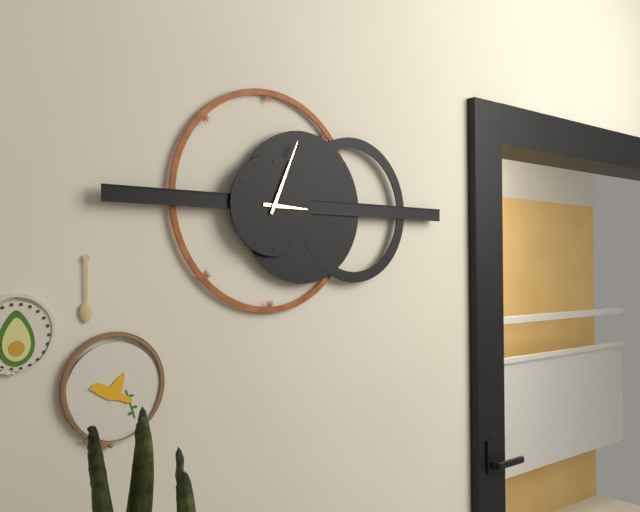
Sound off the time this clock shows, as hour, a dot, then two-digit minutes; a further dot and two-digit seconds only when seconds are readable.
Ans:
3.04
